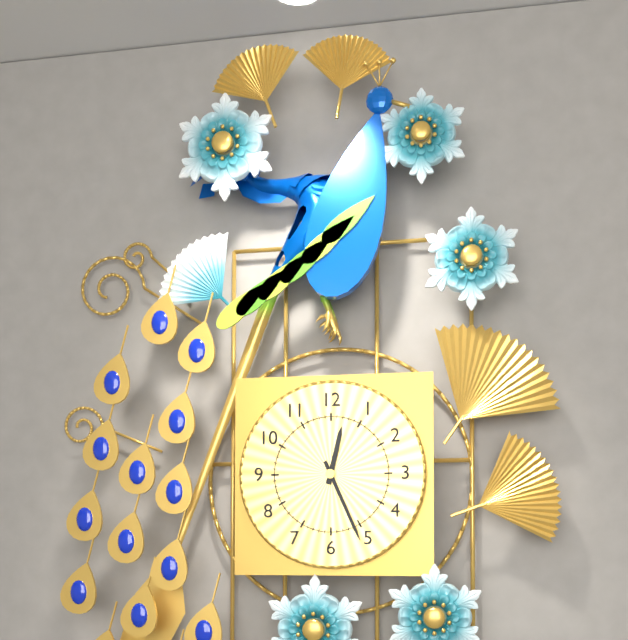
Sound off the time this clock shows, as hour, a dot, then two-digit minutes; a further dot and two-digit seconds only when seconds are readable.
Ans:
12.26
